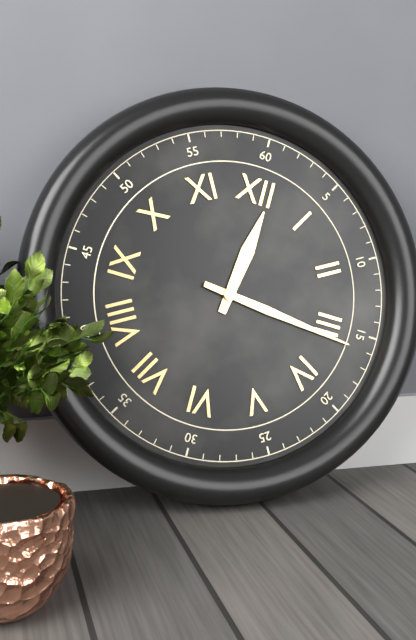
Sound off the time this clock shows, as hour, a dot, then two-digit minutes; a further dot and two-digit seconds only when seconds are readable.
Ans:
12.16
